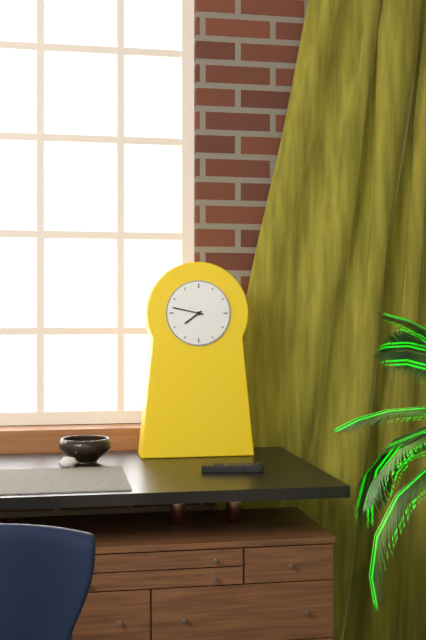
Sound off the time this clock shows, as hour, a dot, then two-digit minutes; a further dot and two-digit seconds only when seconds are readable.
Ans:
7.47
